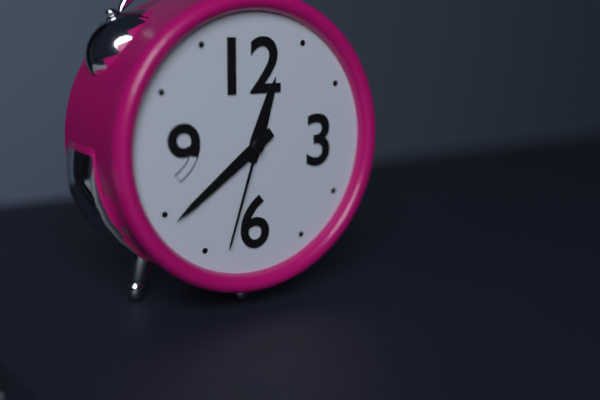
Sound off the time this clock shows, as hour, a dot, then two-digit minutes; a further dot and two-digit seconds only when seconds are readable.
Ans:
12.39.33
